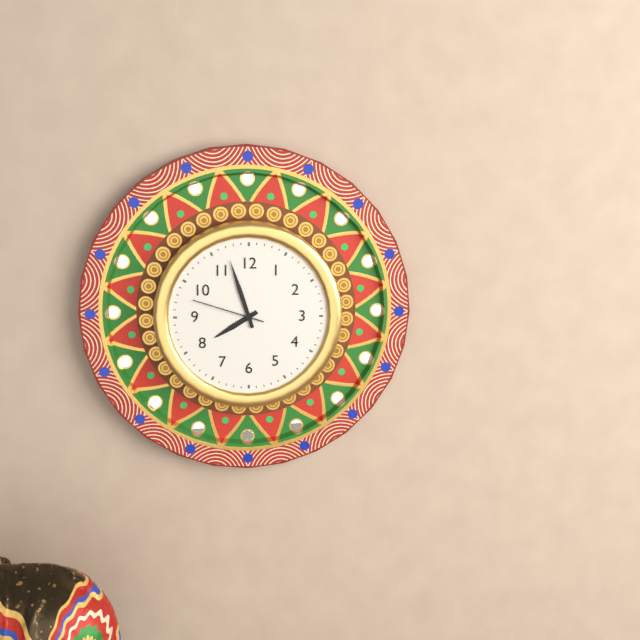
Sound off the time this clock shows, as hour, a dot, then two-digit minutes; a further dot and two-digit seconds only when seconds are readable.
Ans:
7.57.48
